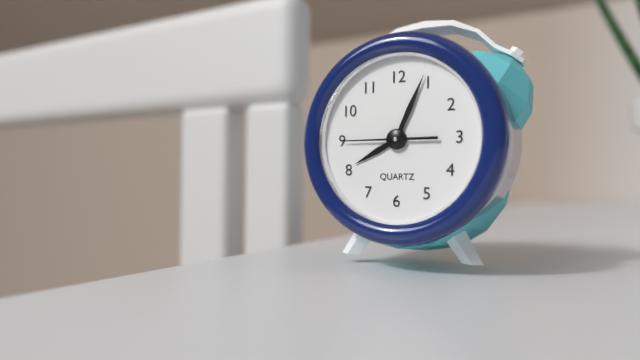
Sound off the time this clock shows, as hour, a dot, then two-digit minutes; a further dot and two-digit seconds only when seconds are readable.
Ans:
8.04.45
